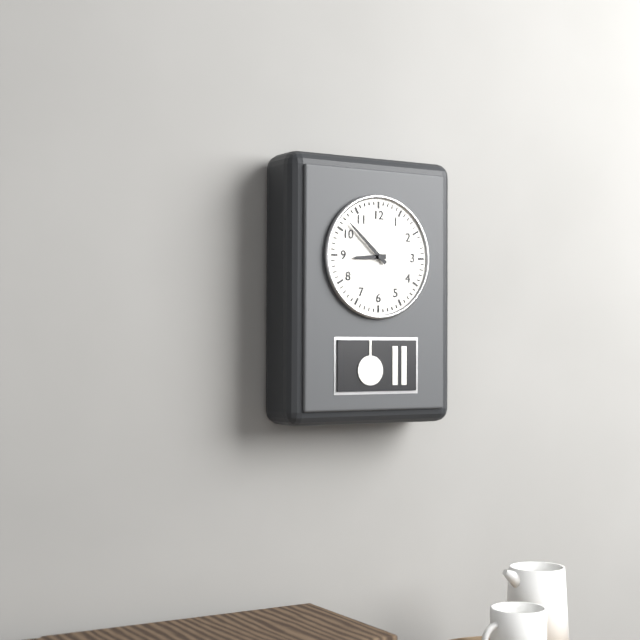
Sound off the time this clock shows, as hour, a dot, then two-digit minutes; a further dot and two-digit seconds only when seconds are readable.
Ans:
8.52
